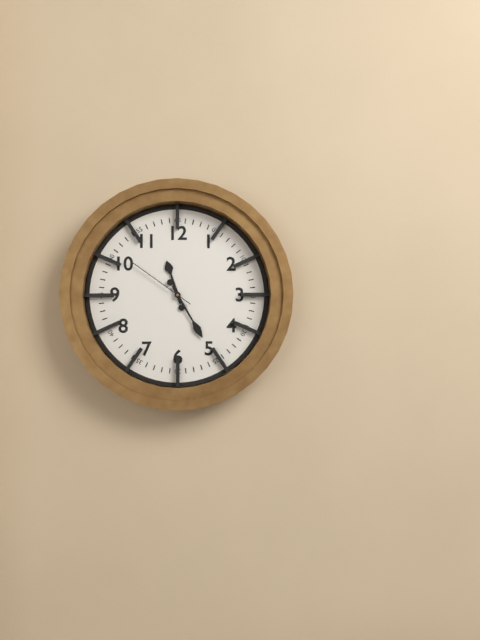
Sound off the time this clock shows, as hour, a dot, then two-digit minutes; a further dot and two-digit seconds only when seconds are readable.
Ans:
11.25.51
